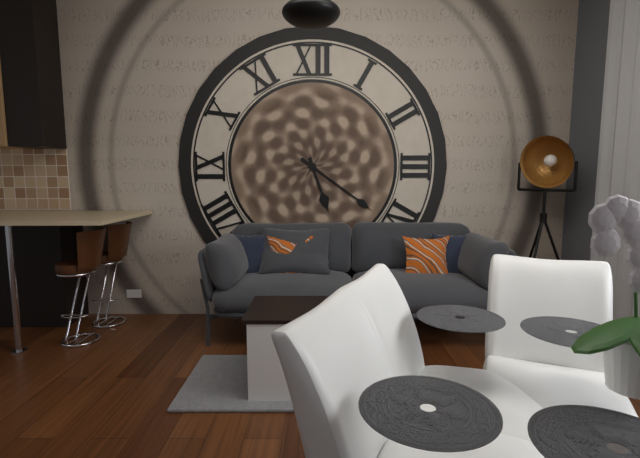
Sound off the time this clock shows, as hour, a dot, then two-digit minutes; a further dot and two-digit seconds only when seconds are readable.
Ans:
5.21
